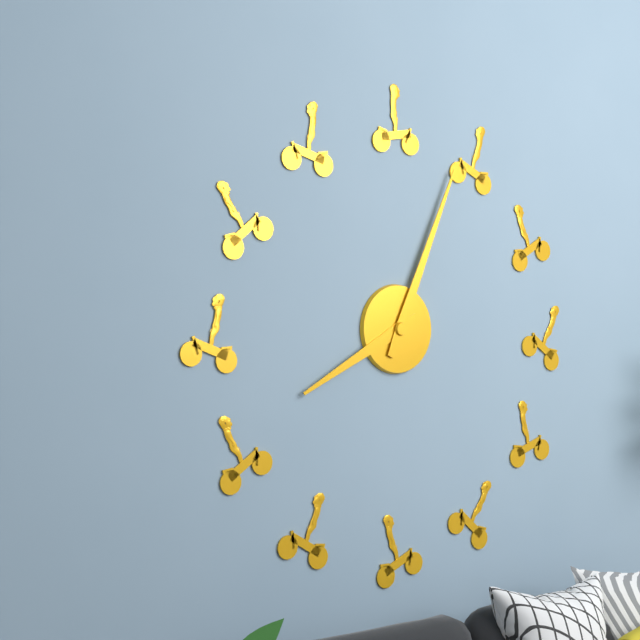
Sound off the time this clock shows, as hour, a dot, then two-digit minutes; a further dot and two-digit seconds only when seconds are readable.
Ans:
8.04
